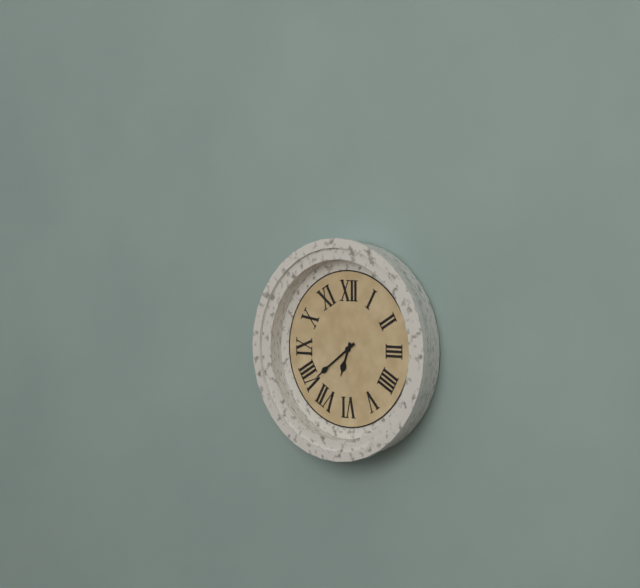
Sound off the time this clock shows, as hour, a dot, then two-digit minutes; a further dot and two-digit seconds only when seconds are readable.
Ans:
6.39
